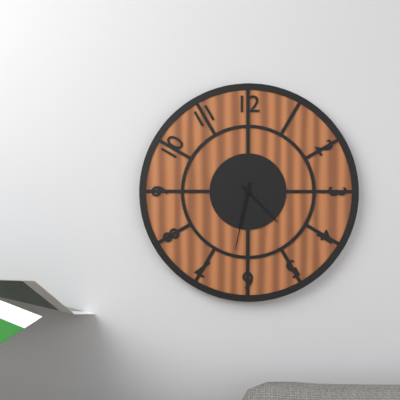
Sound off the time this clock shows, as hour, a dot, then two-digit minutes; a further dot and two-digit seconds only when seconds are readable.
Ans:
4.32
